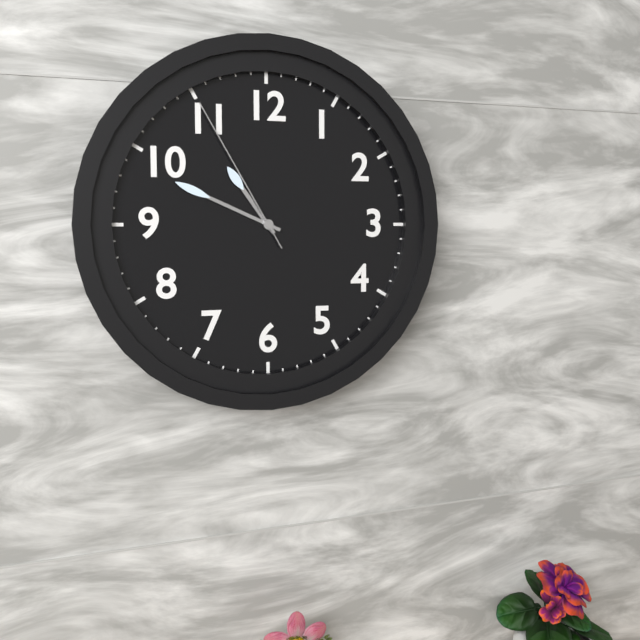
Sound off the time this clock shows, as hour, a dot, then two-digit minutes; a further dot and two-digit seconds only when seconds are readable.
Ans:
10.49.55
